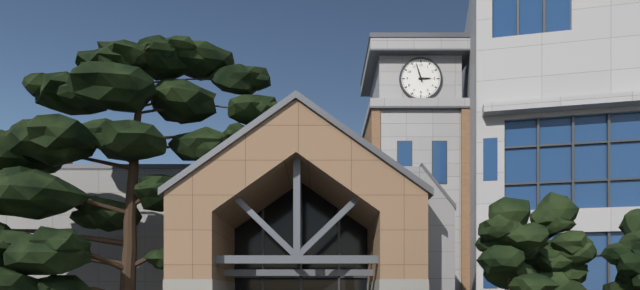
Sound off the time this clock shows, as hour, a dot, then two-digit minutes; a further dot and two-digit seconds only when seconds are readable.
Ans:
2.57
